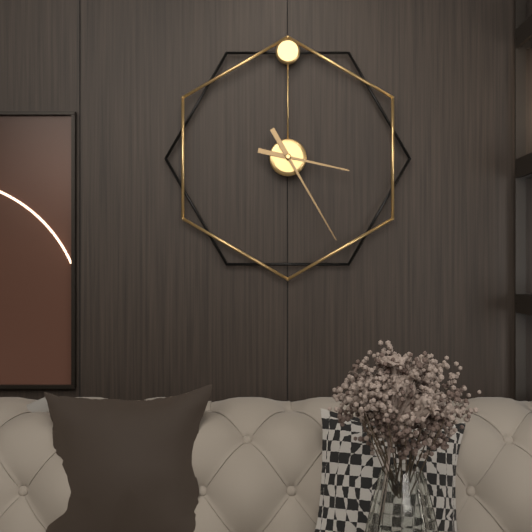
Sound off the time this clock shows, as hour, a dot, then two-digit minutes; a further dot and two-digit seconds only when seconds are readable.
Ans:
3.25
